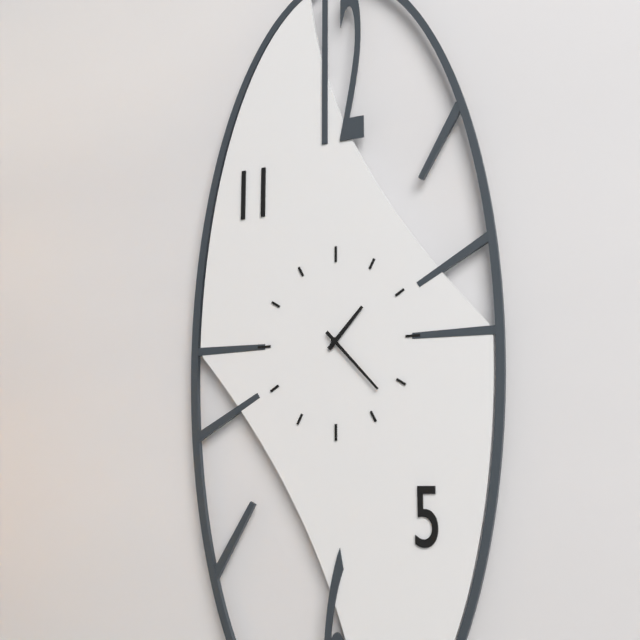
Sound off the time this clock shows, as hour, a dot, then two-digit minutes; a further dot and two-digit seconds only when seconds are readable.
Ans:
1.23
